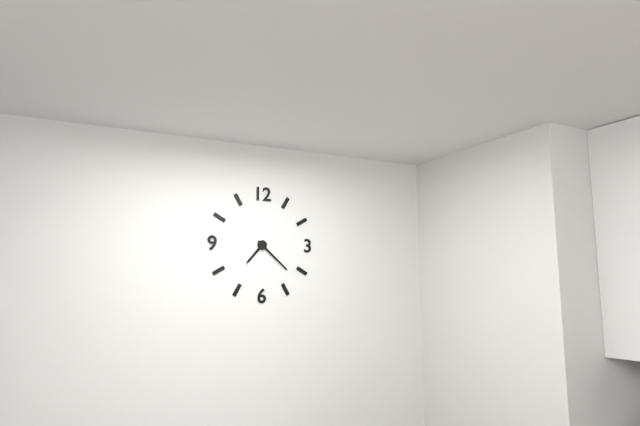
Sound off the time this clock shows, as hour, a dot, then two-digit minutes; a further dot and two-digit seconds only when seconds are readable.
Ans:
7.22
